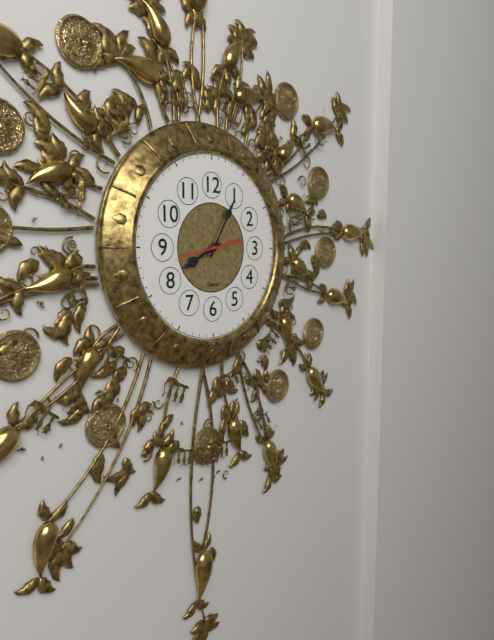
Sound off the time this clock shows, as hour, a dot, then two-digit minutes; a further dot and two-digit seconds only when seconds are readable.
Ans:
8.05
